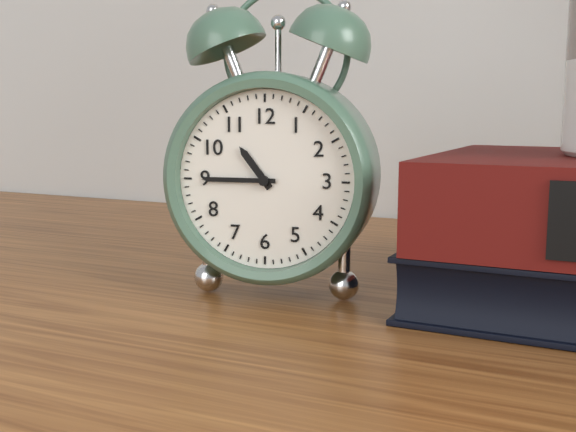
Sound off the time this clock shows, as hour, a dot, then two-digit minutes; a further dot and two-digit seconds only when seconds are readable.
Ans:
10.45
